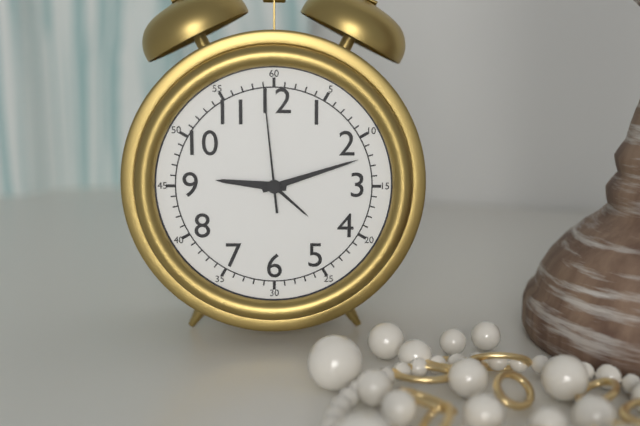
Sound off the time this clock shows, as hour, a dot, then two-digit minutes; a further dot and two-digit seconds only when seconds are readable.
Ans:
9.12.59
